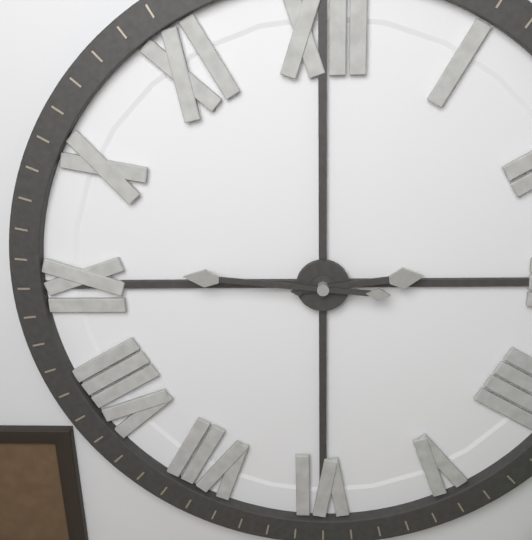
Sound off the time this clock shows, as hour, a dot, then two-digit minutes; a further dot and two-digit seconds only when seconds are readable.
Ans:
2.46
